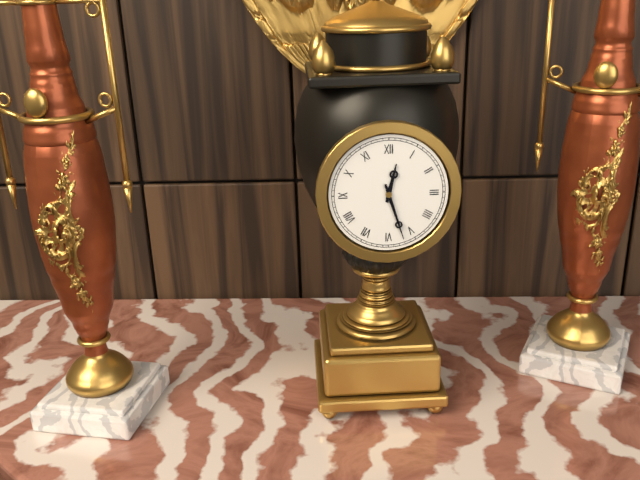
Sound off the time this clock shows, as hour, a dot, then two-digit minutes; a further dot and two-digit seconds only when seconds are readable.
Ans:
12.27
